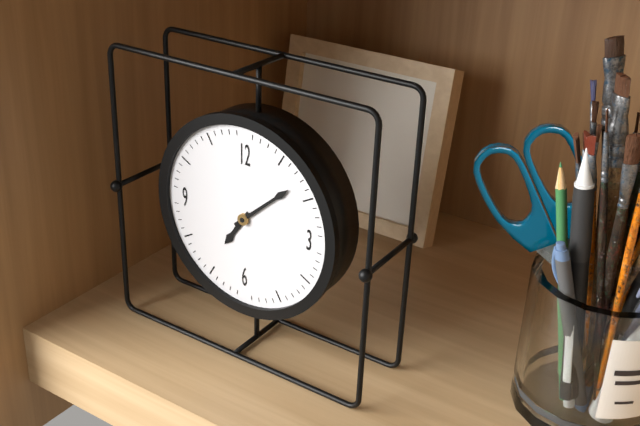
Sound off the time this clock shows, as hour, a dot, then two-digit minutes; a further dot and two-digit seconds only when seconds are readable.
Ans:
7.08
